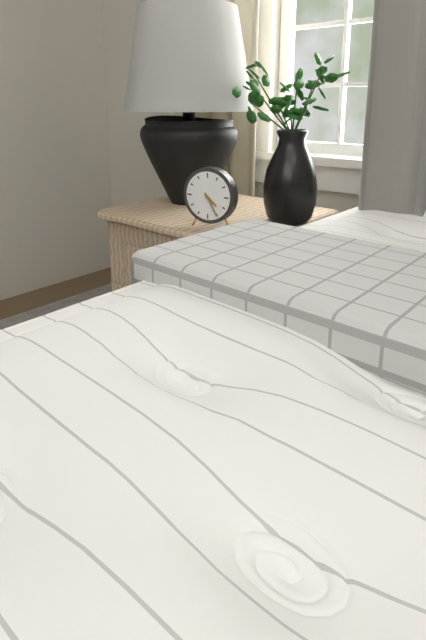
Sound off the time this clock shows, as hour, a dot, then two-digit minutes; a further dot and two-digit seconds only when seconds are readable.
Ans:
4.25
